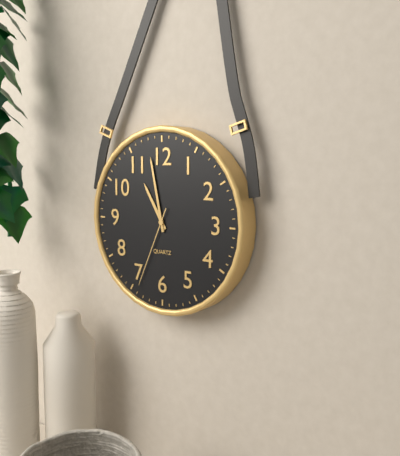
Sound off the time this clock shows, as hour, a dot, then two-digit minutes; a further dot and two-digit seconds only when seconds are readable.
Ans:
10.58.34
